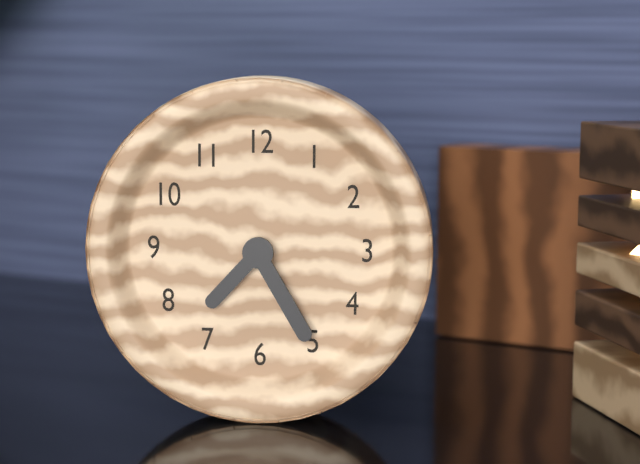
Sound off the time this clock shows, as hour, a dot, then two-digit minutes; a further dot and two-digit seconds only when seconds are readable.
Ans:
7.25
